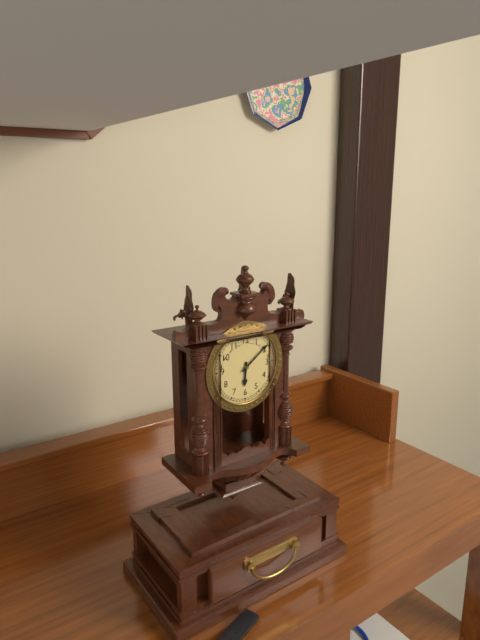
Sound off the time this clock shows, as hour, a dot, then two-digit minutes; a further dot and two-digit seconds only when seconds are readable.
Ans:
6.09
